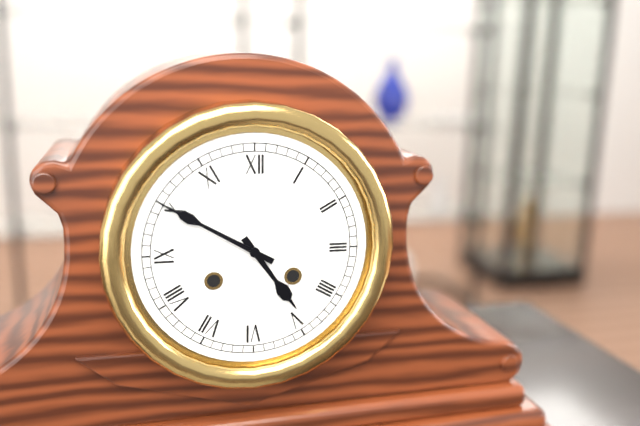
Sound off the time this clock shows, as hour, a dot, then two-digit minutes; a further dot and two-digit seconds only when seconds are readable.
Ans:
4.50
